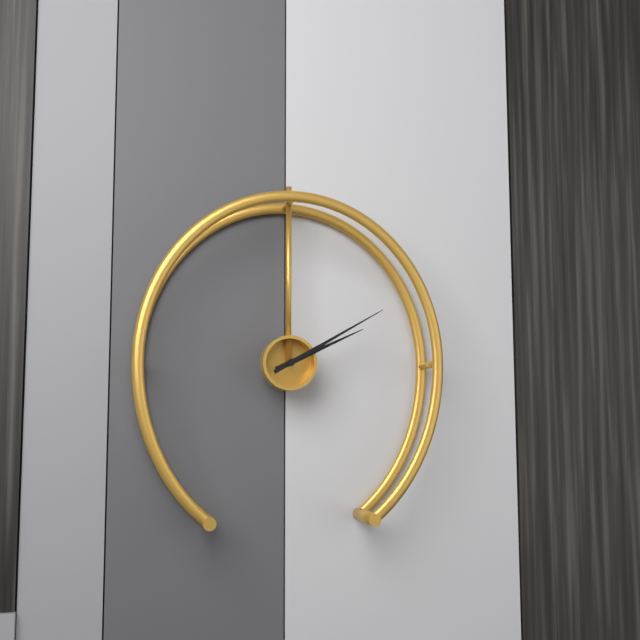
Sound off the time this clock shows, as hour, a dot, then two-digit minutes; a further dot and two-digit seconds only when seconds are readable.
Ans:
2.10
